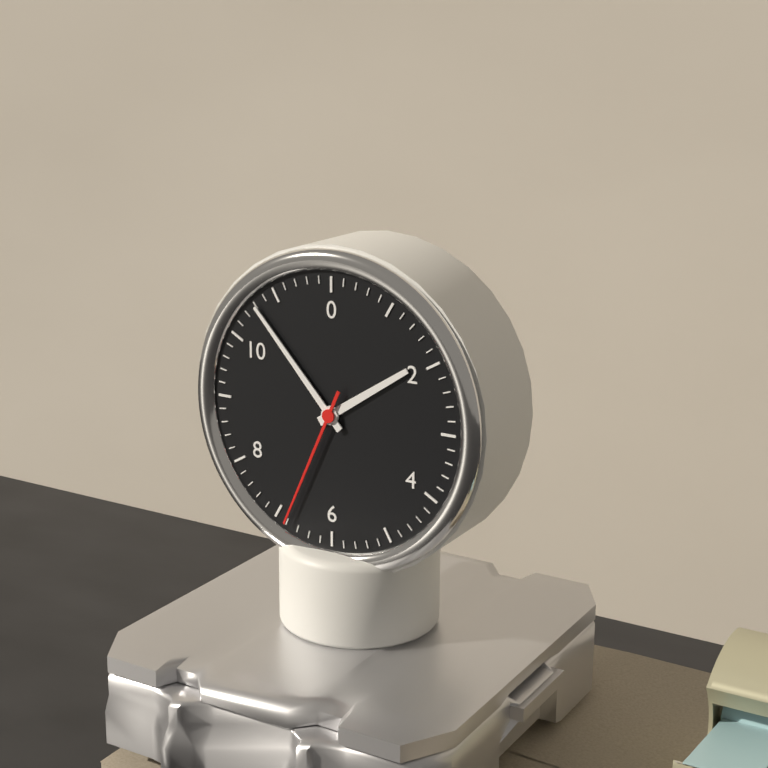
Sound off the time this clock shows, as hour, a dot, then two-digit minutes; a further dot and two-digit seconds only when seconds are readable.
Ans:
1.53.34
